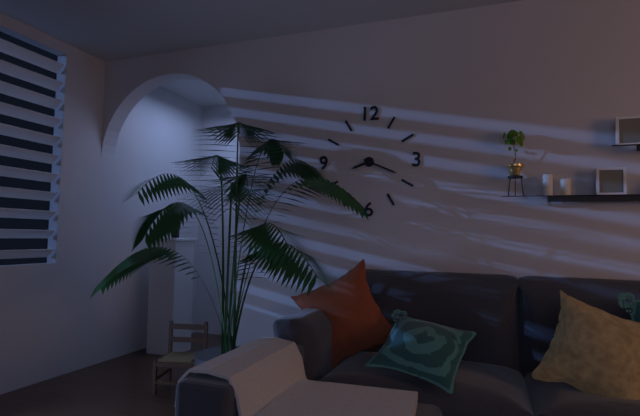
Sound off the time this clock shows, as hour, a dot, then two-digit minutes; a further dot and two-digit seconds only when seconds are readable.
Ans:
8.19
